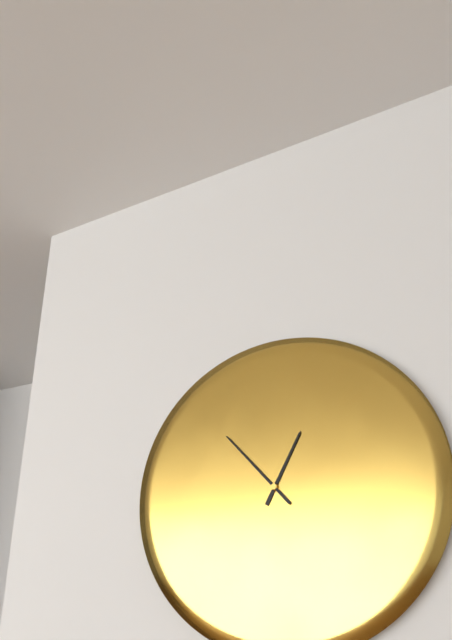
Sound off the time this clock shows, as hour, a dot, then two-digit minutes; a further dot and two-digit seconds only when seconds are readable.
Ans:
12.53
